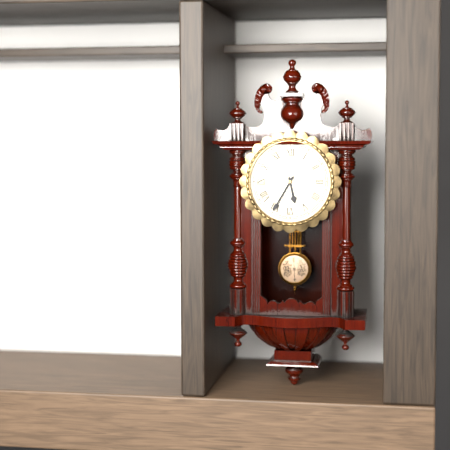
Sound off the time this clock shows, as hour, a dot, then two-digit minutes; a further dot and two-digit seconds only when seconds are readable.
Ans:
5.35
